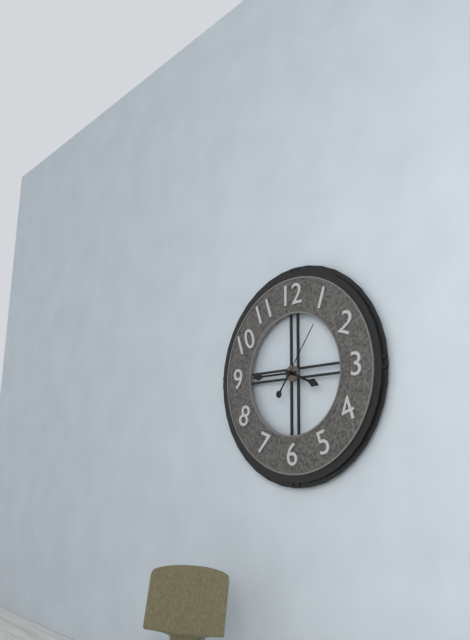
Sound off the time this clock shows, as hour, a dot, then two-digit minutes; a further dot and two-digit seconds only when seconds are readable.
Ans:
3.45.06
